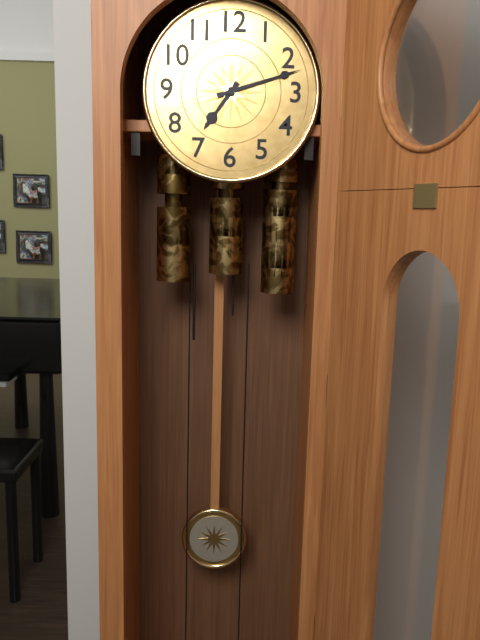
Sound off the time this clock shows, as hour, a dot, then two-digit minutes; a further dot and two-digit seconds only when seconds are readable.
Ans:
7.12
